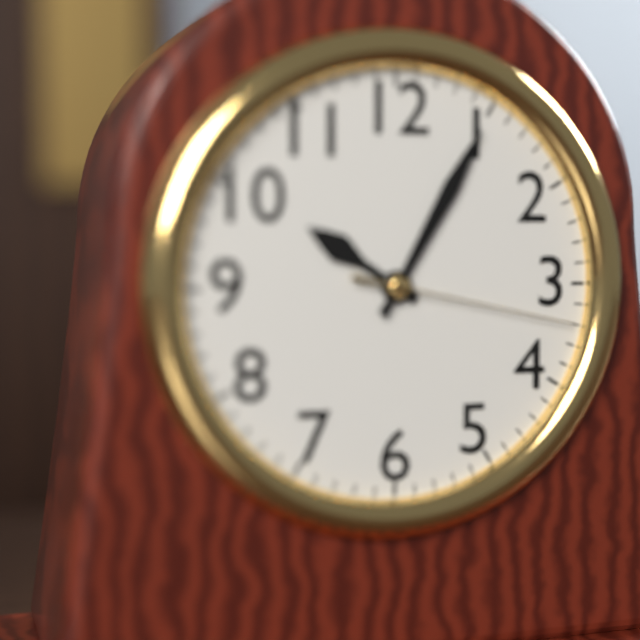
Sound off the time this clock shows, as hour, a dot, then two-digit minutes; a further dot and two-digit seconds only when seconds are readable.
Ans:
10.05.17
